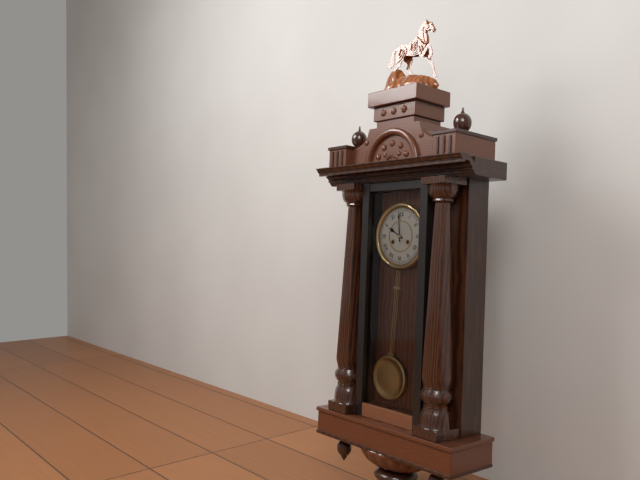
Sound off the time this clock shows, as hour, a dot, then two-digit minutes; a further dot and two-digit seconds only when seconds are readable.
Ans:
9.59
